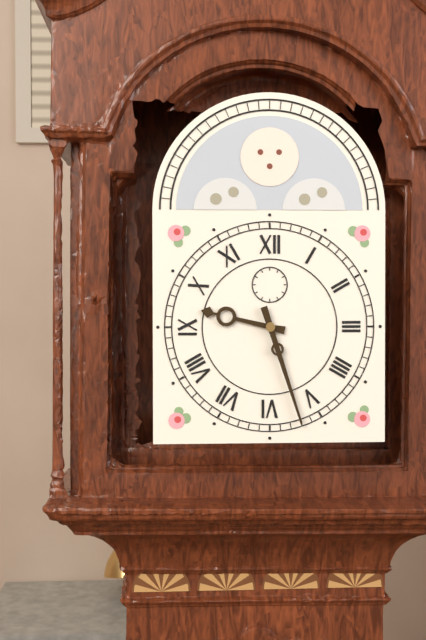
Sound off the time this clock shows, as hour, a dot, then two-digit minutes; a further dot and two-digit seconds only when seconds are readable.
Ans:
9.27
